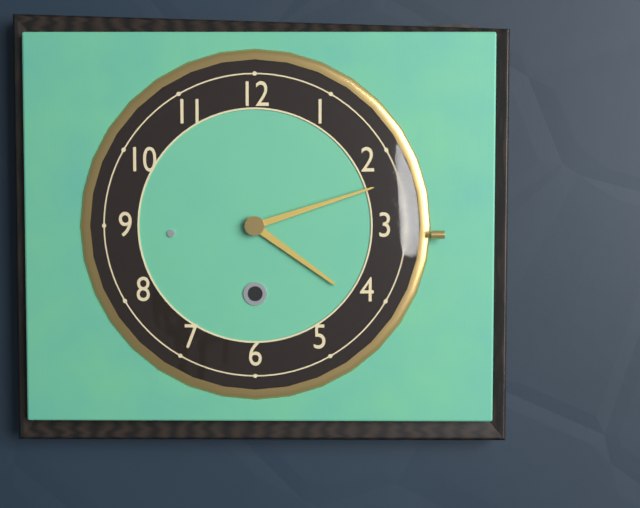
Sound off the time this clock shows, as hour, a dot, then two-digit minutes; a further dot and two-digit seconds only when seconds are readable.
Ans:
4.12
